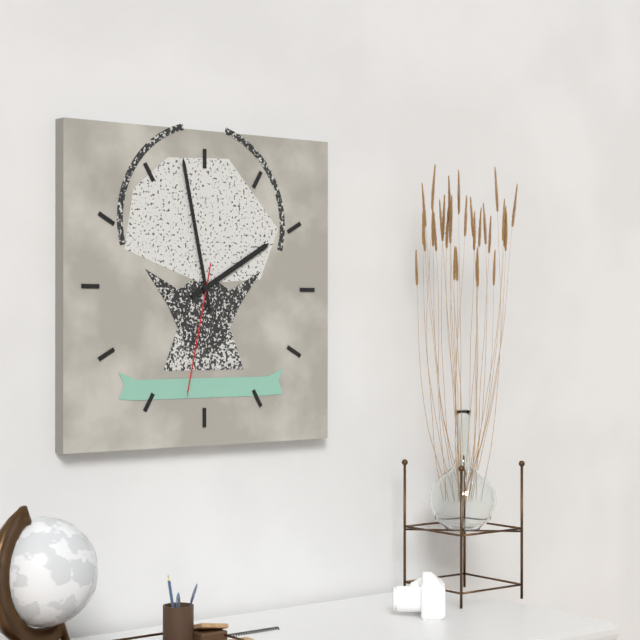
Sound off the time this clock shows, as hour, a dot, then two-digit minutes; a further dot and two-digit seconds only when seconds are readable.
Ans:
1.58.32
